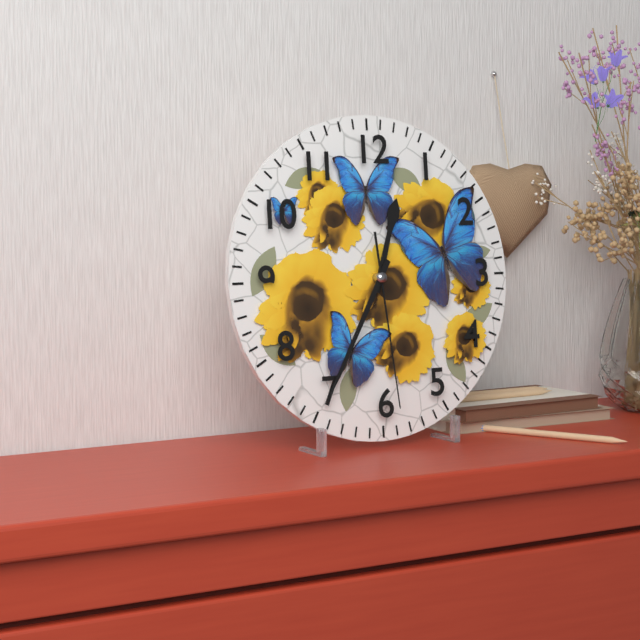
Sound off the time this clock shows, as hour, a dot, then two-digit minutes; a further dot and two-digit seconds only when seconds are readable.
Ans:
12.35.29
